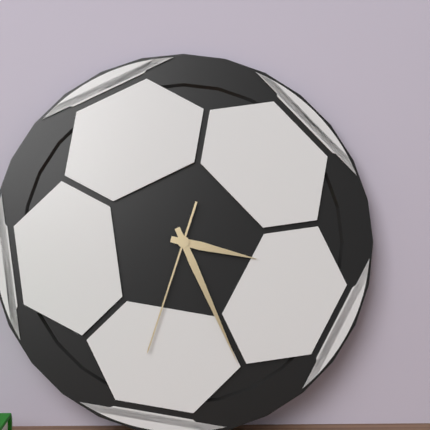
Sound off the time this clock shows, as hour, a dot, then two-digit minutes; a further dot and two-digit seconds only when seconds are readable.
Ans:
3.26.33
